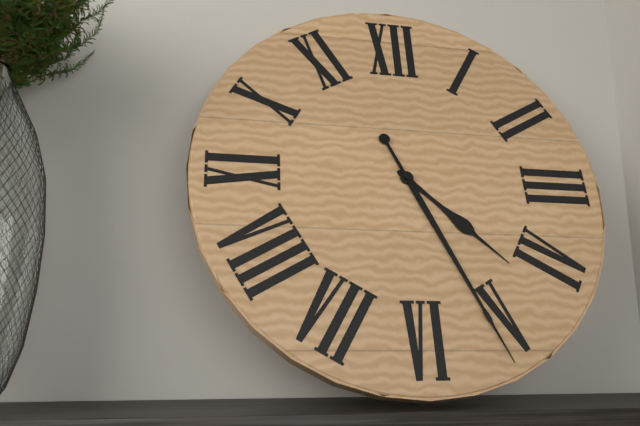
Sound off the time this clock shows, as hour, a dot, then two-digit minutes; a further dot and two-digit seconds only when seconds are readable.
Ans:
4.26
